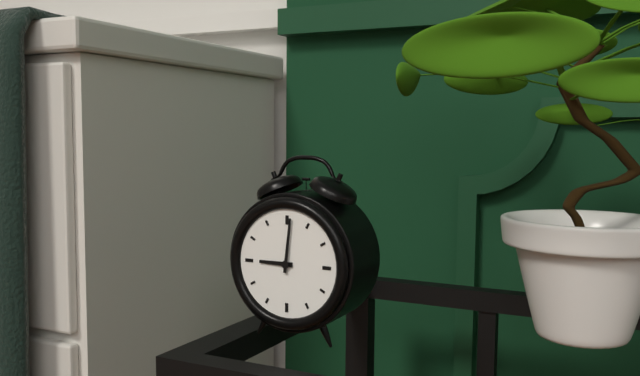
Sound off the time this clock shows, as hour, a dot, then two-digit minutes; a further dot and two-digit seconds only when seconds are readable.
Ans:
9.01
